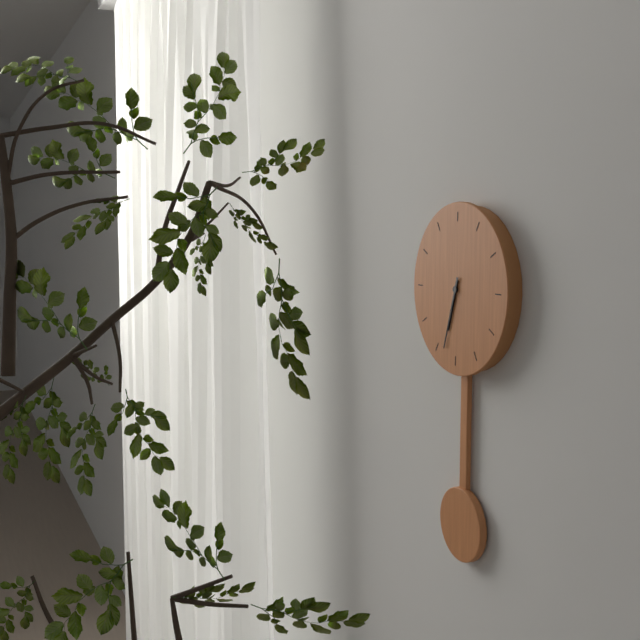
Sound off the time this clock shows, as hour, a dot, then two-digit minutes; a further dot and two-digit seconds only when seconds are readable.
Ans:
6.33
